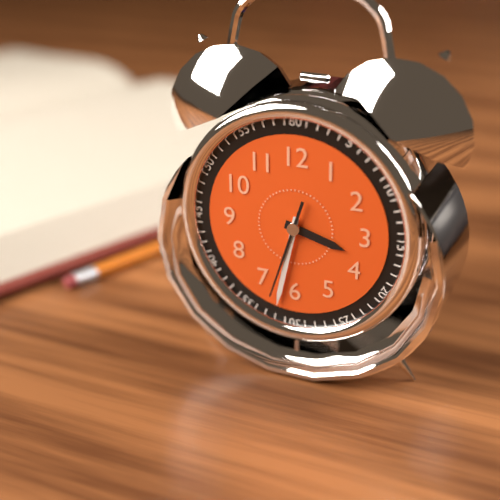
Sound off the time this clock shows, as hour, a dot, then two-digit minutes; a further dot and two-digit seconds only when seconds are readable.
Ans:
3.32.33
